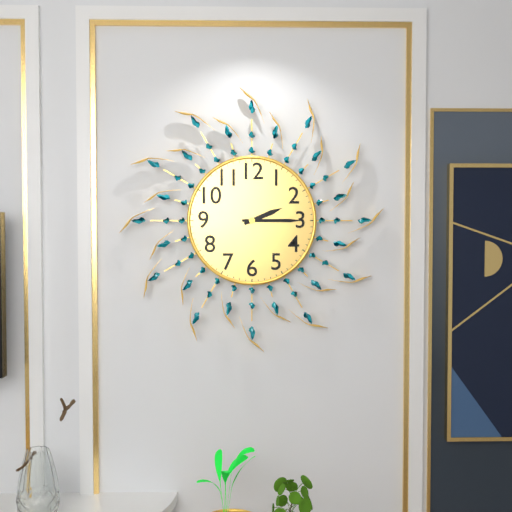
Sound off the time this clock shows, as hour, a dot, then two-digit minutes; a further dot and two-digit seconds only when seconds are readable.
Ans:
2.15
